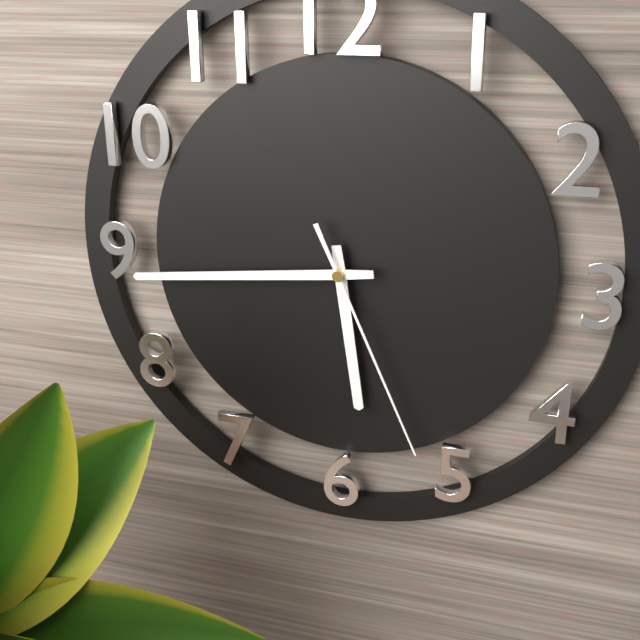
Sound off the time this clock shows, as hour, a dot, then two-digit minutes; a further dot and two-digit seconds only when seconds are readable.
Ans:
5.44.26
